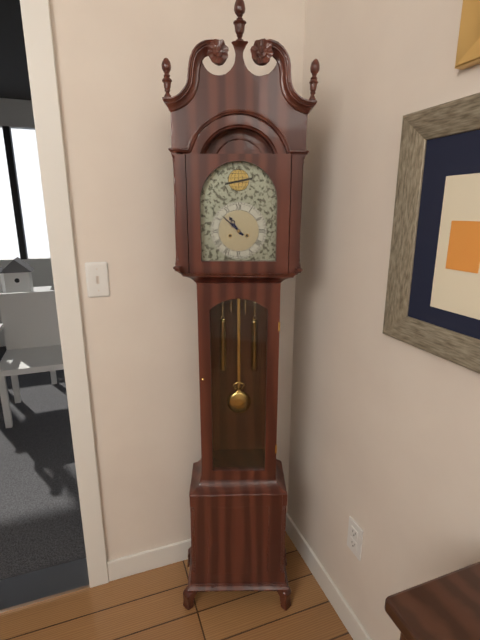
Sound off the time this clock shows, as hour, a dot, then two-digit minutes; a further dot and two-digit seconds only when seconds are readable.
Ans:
10.52
